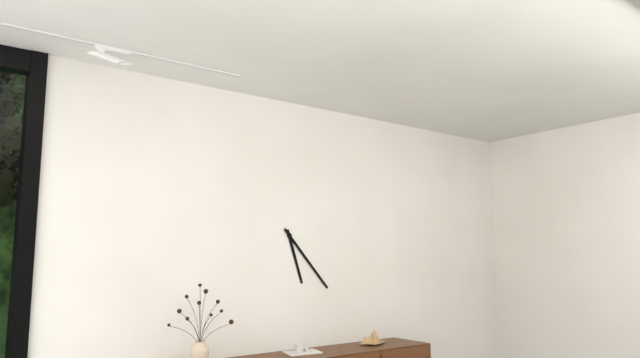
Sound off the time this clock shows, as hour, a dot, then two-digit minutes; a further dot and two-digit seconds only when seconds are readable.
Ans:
5.23
